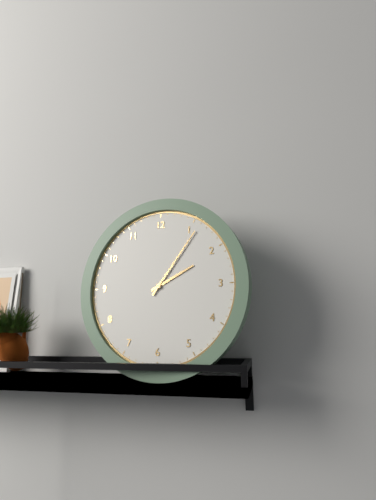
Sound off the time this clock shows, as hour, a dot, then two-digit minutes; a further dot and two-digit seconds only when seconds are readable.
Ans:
2.06
